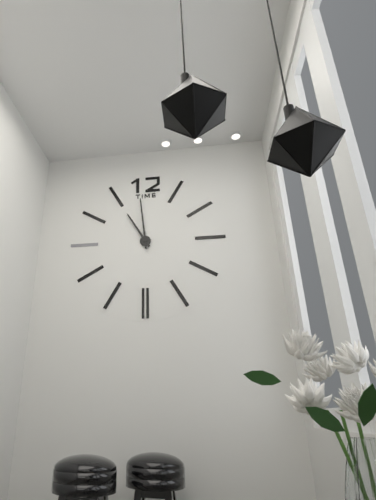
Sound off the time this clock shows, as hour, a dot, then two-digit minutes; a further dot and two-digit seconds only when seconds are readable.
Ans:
10.59
